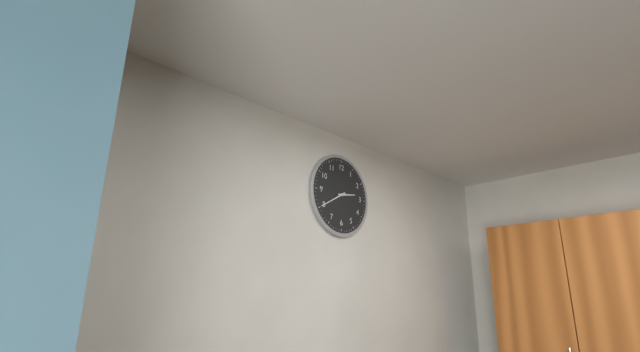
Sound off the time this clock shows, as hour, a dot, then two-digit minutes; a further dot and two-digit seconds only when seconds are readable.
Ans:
2.40
